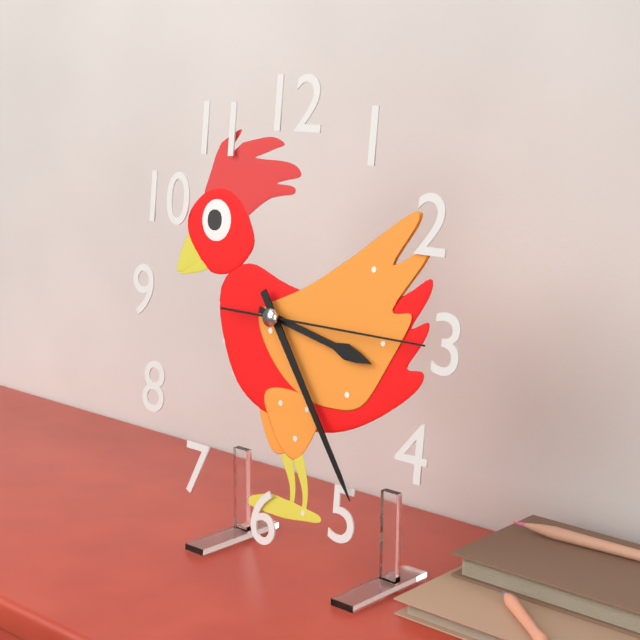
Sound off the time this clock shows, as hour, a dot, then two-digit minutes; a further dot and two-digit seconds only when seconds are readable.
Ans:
3.24.15
